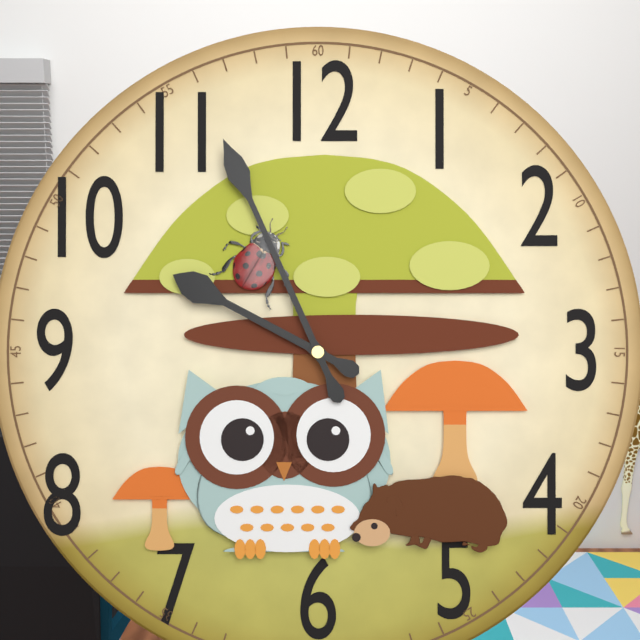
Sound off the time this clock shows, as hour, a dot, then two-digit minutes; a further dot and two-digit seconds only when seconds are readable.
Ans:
9.56
